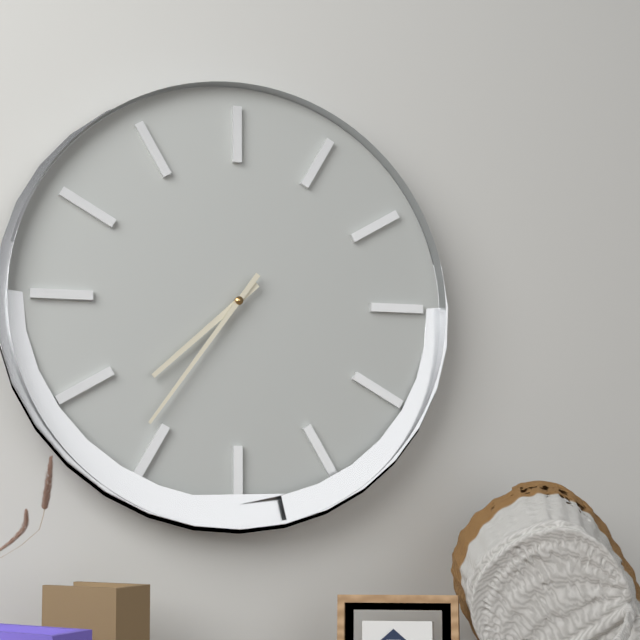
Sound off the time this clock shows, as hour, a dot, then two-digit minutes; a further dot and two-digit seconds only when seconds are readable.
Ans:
7.36
